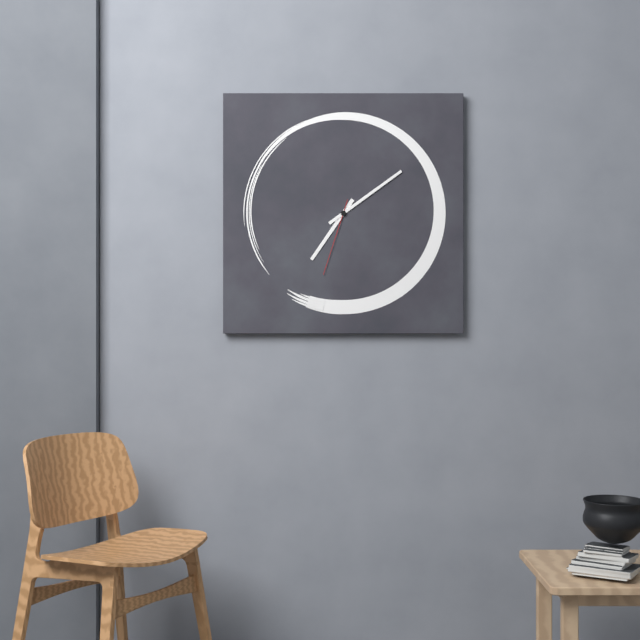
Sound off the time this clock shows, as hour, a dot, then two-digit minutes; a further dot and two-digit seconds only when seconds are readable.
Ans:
7.09.33
